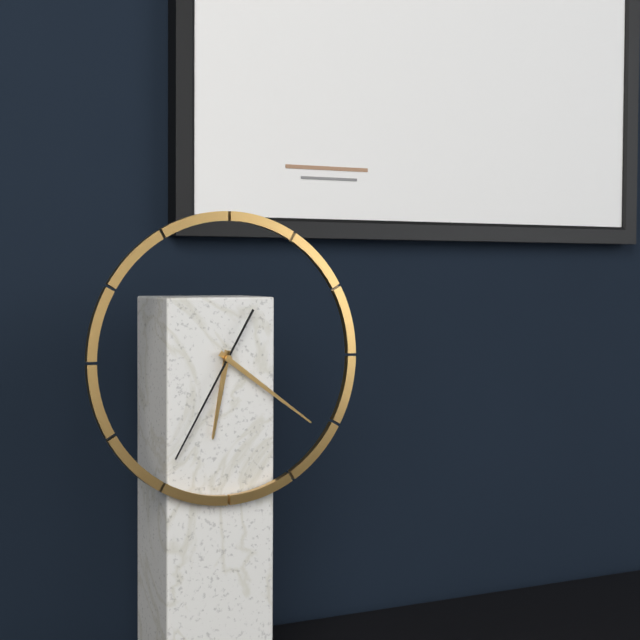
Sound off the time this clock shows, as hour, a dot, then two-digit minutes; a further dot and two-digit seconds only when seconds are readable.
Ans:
6.21.35
